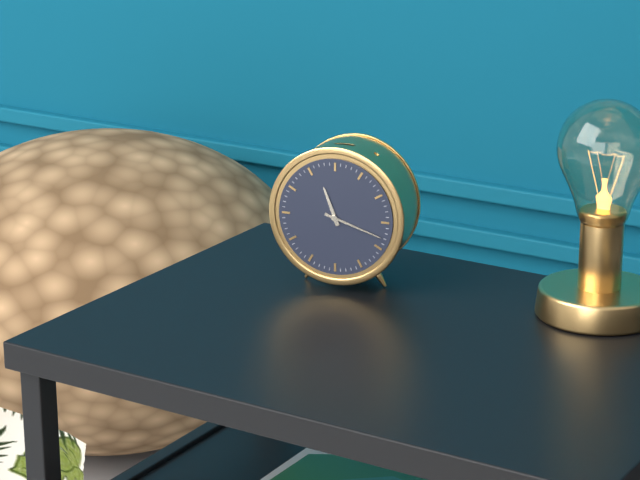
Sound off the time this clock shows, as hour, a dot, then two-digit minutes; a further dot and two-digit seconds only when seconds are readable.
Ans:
11.18
